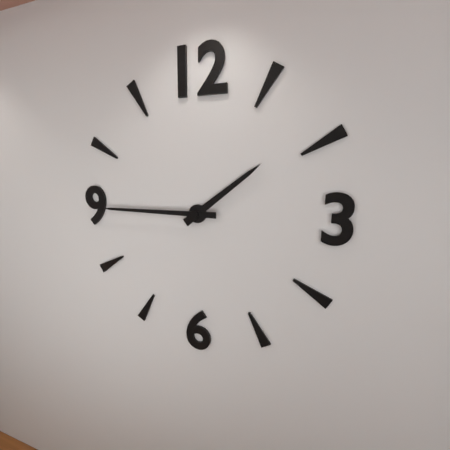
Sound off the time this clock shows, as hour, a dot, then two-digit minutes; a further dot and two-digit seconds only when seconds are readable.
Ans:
1.45
